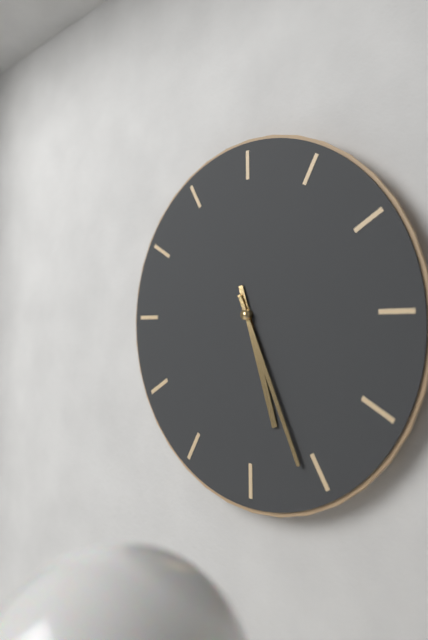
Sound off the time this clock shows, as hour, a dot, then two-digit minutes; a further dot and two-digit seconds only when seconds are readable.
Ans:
5.26
